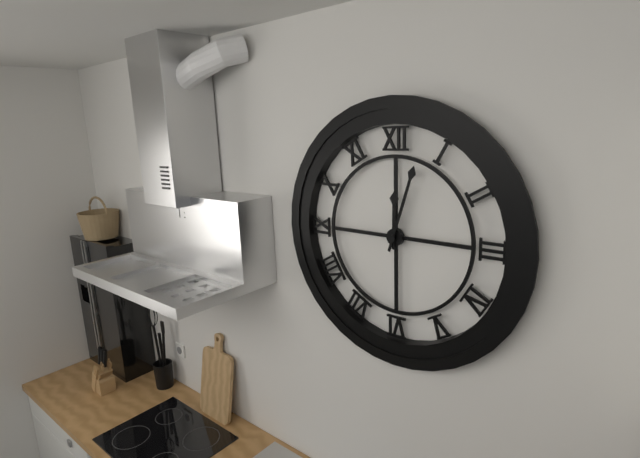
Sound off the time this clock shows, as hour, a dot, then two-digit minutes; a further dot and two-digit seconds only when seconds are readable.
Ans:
12.03
